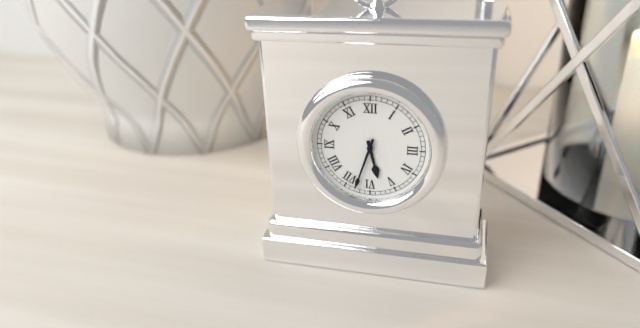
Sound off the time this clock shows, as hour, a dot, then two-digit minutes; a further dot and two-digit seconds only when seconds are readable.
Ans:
5.33
